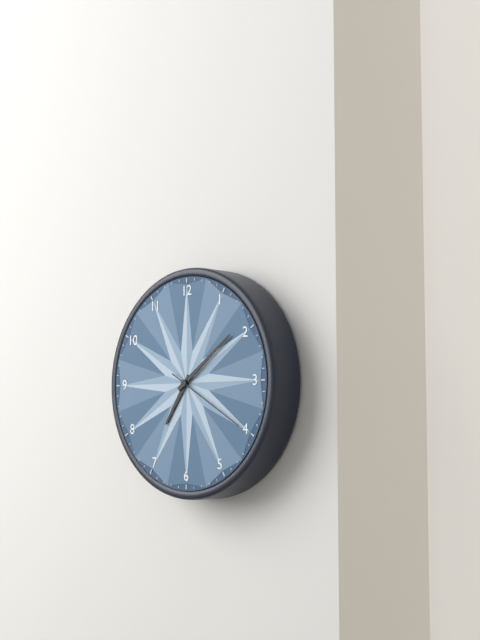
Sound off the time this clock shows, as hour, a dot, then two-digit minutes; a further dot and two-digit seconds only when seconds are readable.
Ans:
7.09.20
